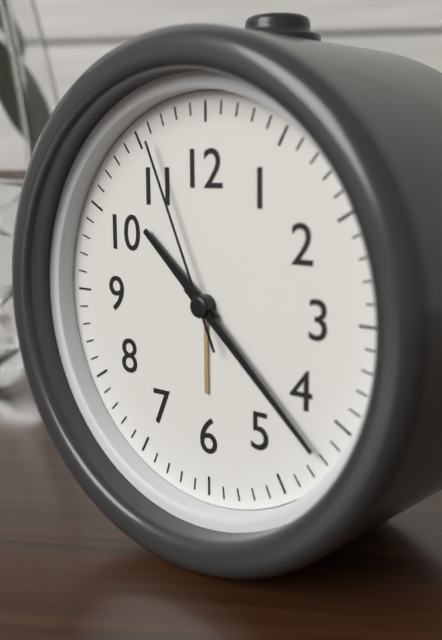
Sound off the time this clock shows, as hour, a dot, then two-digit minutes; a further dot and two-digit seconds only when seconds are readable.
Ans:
10.22.56
